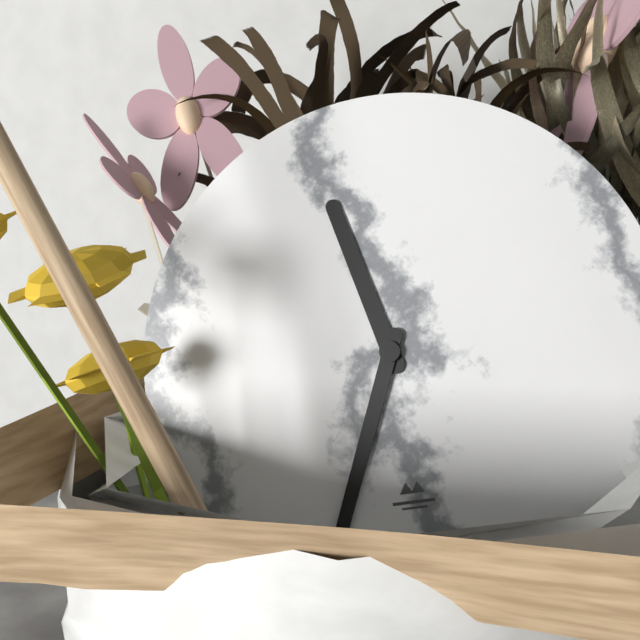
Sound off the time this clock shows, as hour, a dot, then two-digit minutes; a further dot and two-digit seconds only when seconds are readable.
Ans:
11.34
